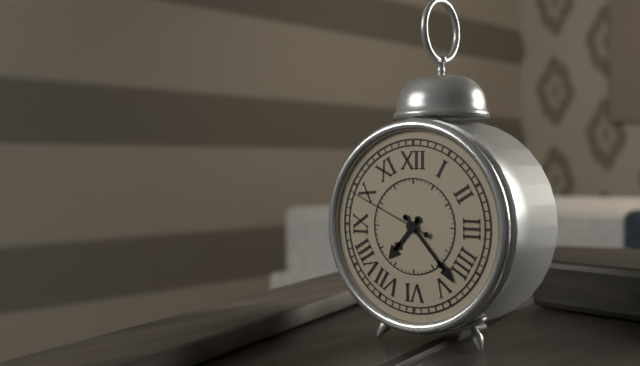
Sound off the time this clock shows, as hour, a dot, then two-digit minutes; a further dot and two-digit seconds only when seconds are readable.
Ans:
7.23.49
